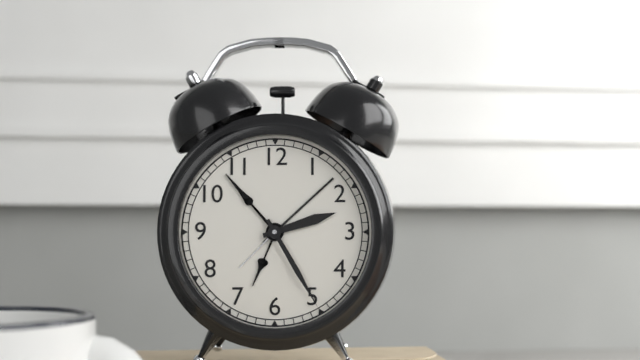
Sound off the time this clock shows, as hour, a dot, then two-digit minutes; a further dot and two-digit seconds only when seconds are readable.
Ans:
2.25
